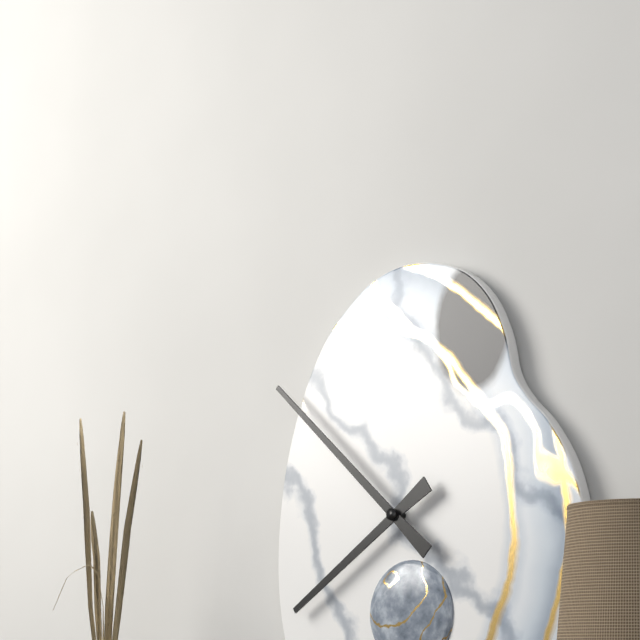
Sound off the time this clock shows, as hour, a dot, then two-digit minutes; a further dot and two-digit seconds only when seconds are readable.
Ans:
7.52
